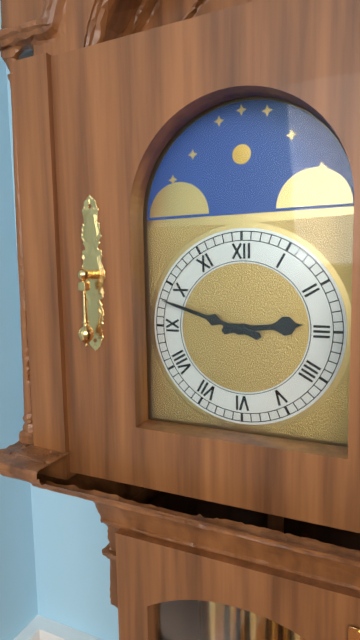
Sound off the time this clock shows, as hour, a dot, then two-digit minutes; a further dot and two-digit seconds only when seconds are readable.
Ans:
2.48
